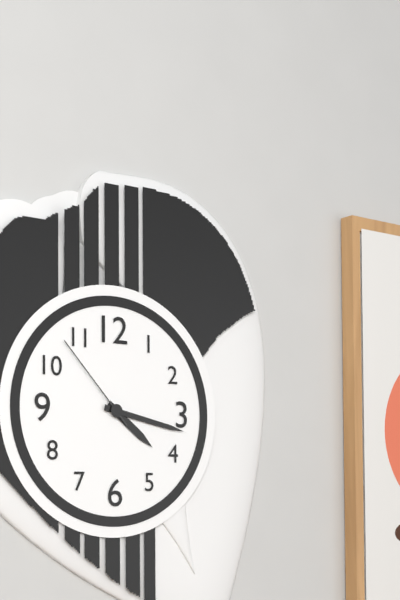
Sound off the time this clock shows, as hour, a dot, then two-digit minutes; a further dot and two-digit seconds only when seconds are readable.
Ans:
4.17.53
